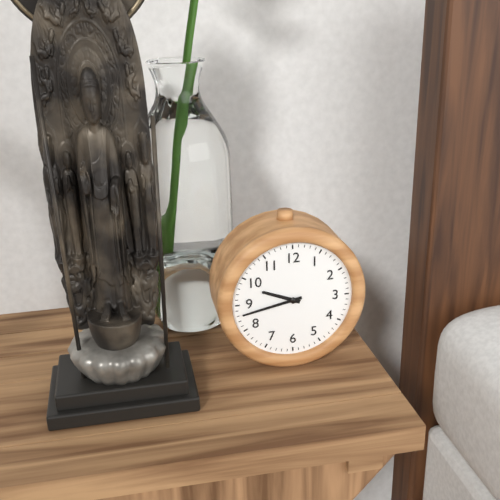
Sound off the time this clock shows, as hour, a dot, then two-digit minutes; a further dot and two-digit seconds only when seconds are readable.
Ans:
9.43
